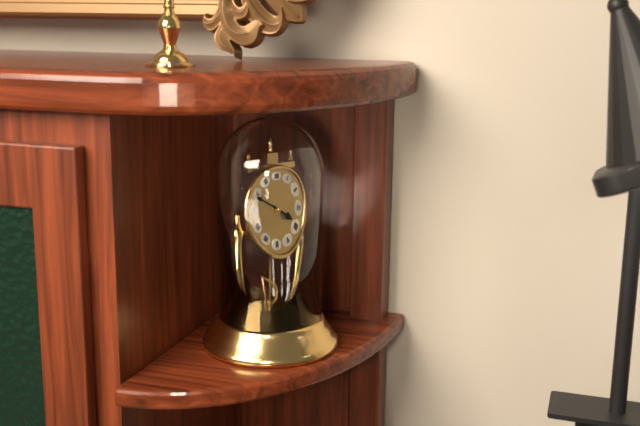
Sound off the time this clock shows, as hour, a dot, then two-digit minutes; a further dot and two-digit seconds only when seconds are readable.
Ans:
3.49
